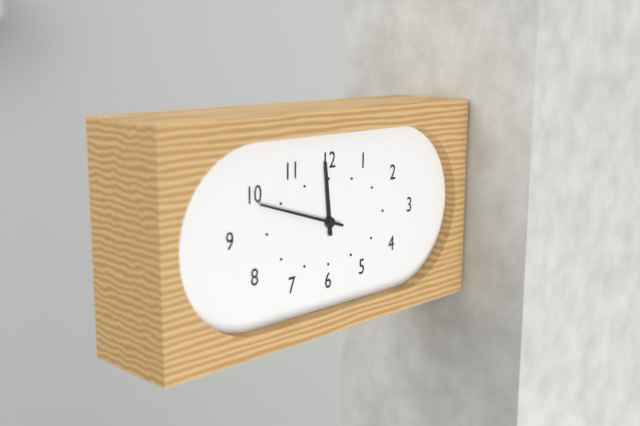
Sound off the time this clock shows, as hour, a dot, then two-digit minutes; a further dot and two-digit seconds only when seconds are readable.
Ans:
11.48
